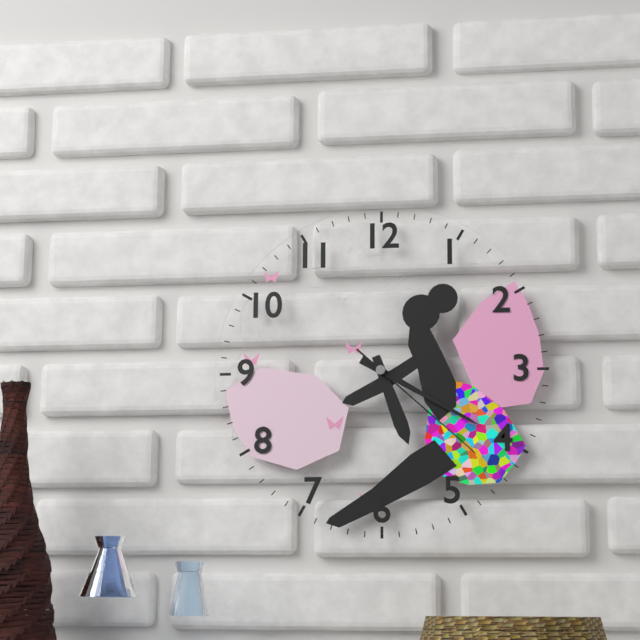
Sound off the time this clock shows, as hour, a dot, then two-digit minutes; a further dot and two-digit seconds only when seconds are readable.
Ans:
5.20.22
